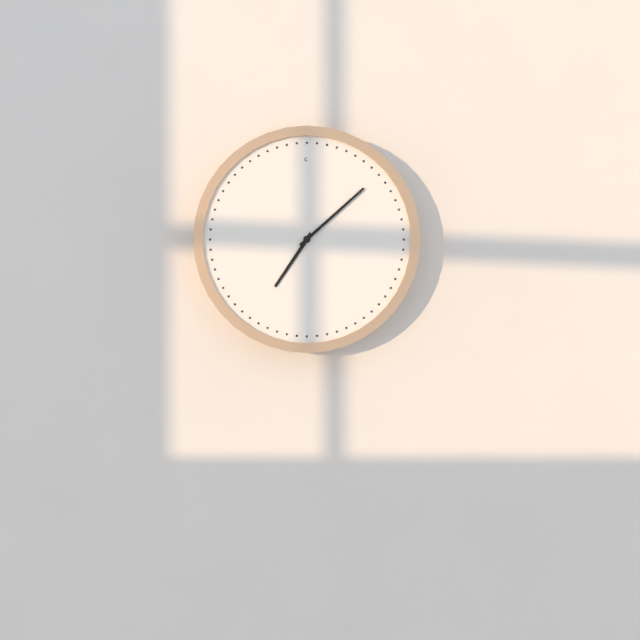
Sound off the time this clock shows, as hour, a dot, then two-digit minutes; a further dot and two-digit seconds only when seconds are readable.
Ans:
7.08
